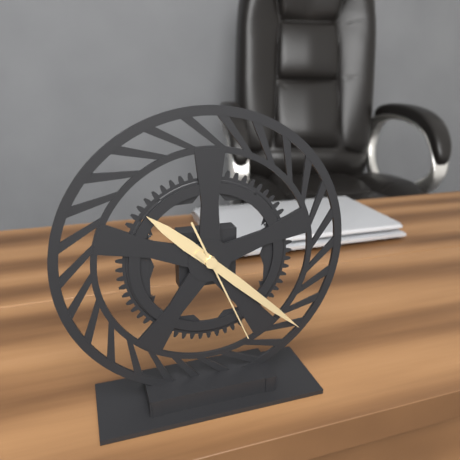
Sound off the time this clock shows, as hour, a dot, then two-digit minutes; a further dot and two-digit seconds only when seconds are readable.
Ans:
10.22.26
